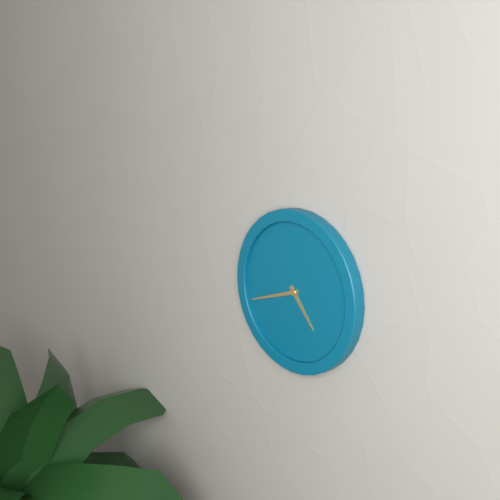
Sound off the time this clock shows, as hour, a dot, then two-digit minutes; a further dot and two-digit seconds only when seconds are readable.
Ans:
4.42
